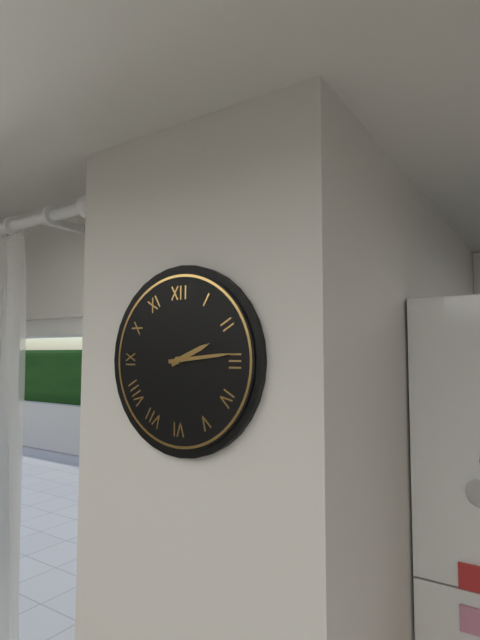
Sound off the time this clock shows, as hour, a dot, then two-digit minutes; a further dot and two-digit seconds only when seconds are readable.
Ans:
2.14
